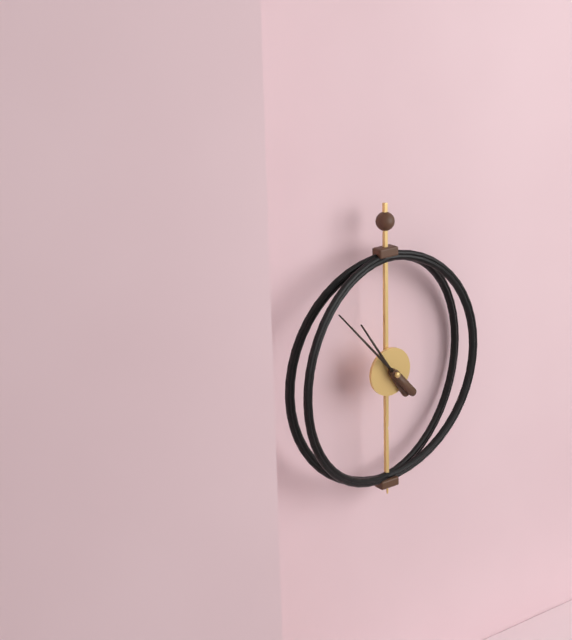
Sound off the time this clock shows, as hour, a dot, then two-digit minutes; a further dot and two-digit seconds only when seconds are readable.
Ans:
10.53
